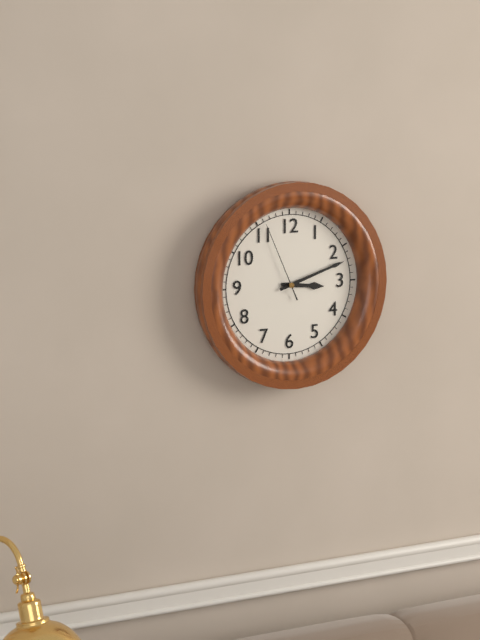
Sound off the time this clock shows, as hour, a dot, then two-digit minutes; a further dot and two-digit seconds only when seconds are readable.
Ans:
3.12.56
